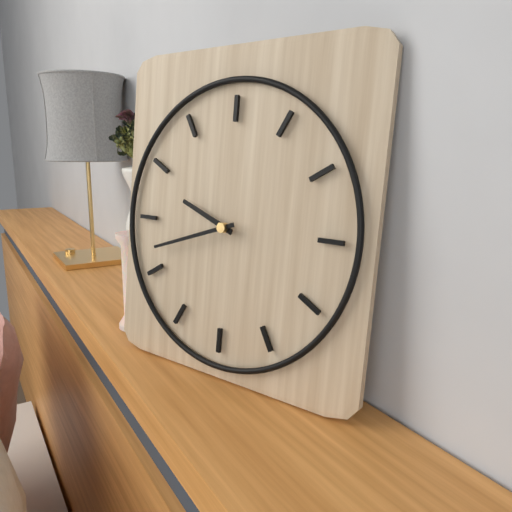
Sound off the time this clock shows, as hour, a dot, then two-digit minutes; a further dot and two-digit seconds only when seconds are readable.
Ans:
9.42
